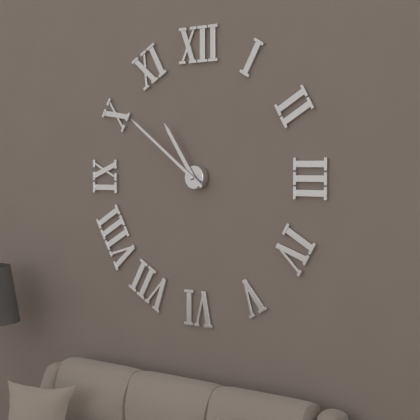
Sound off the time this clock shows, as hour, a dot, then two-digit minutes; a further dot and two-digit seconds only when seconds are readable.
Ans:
10.51
